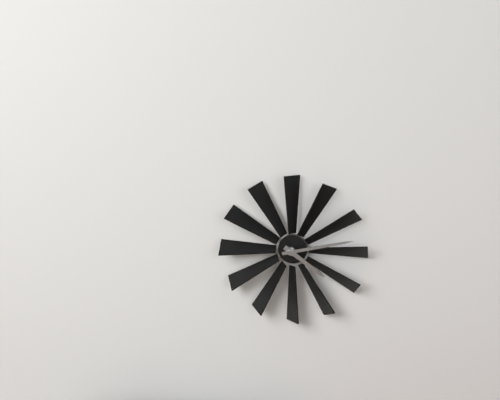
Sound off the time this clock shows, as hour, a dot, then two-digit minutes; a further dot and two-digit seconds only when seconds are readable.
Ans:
4.13
